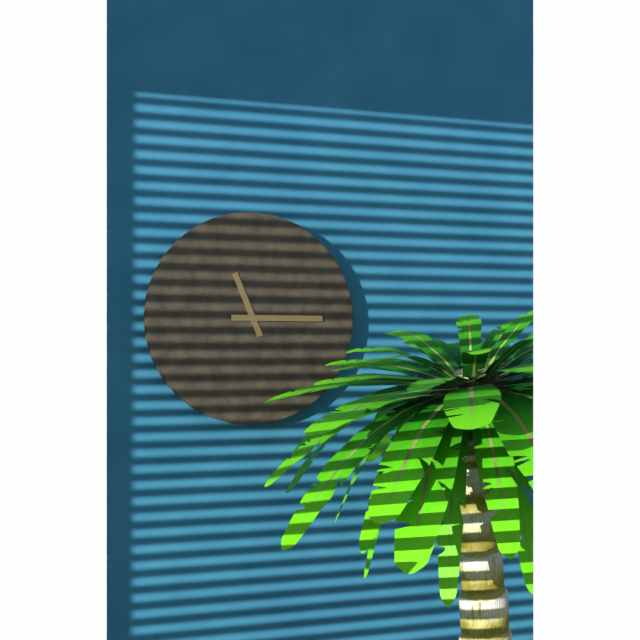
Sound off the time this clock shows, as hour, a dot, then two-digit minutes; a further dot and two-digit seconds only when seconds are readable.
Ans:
11.15
